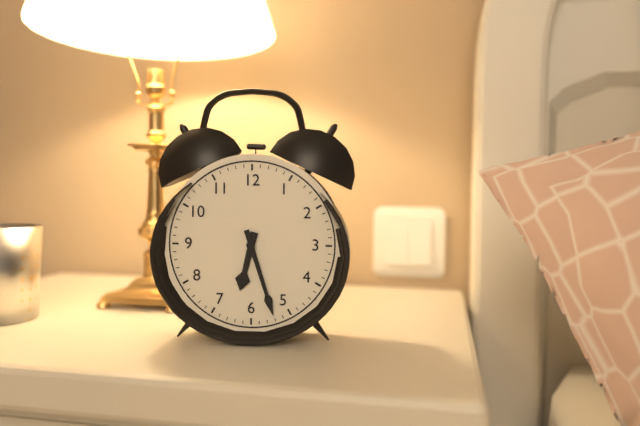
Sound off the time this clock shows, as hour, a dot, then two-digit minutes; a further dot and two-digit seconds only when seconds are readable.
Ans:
6.27
